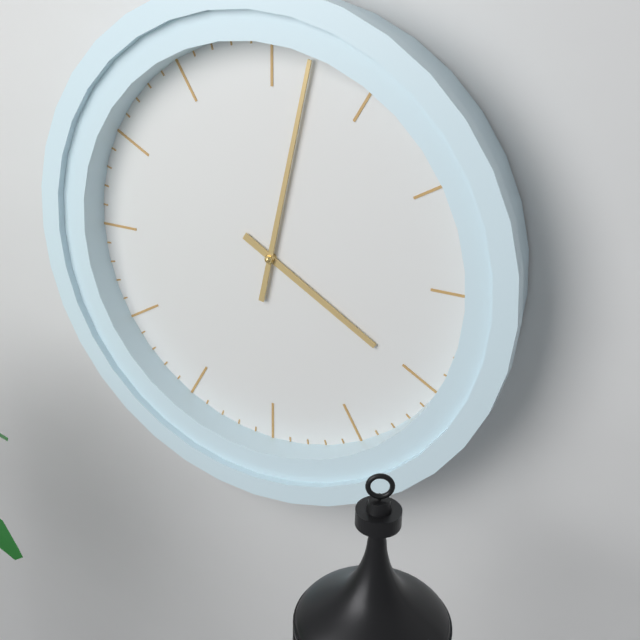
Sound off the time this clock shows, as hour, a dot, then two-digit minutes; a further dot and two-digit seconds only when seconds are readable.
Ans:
4.02
